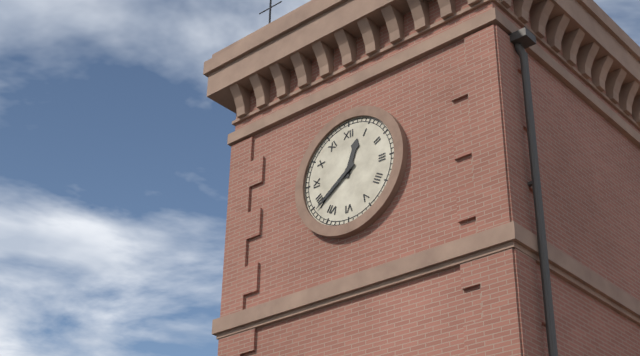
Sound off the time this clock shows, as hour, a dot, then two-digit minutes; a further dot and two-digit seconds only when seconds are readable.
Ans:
12.39
